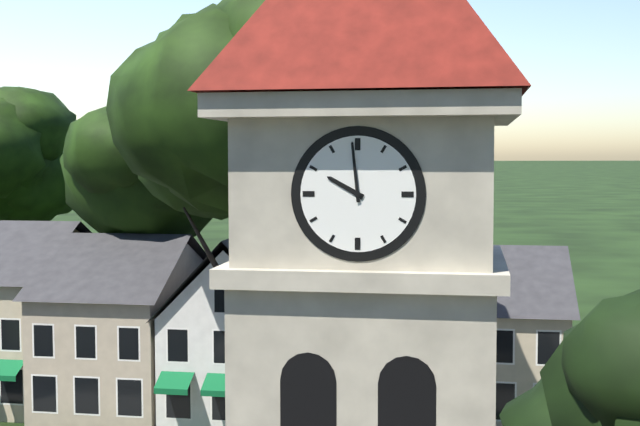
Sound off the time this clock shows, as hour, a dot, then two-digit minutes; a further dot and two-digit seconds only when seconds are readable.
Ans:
9.59
